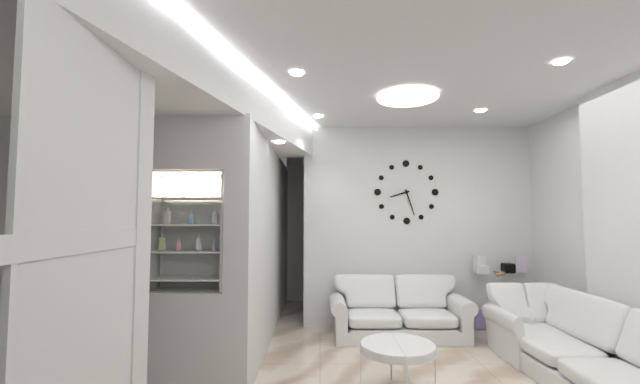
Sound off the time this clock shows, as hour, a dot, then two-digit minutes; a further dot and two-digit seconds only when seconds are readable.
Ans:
8.27
